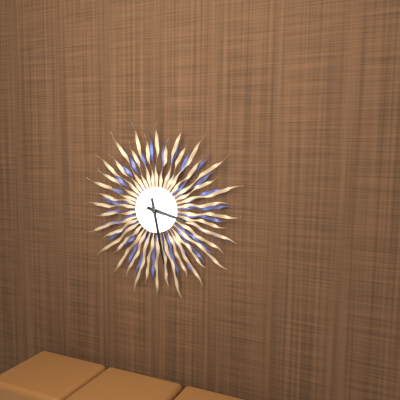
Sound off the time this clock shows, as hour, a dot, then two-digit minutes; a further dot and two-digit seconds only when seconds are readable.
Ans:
3.28
